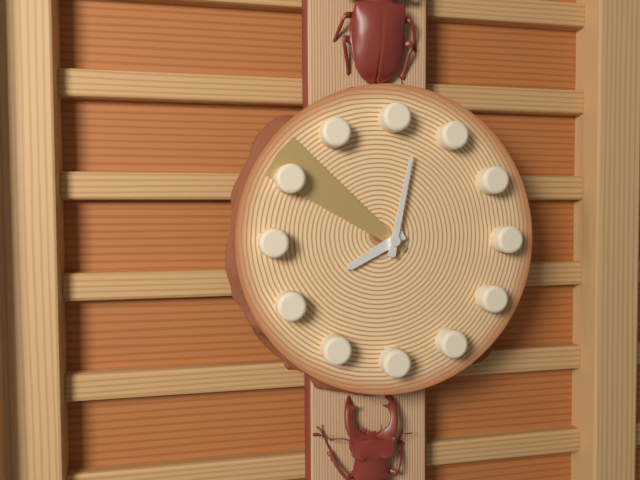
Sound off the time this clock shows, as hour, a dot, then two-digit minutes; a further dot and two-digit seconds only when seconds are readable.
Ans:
8.02.51
